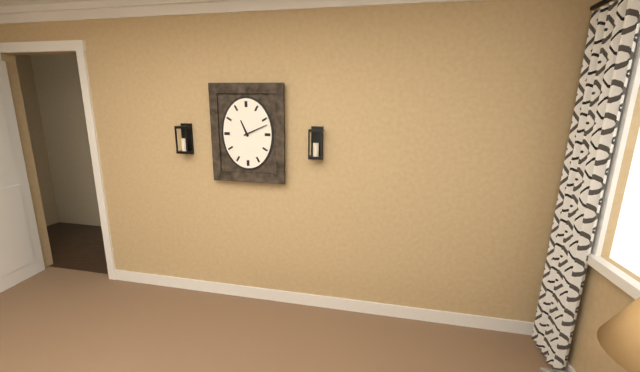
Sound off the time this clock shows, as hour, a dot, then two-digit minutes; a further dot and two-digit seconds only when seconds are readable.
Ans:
11.11
